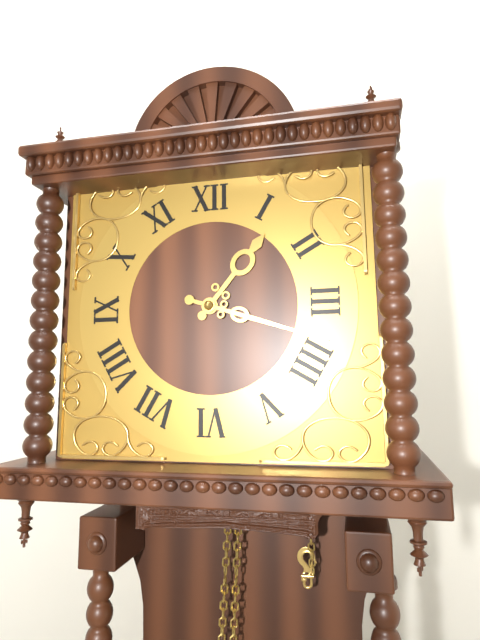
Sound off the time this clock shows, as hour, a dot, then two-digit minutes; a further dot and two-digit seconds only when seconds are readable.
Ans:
1.18
